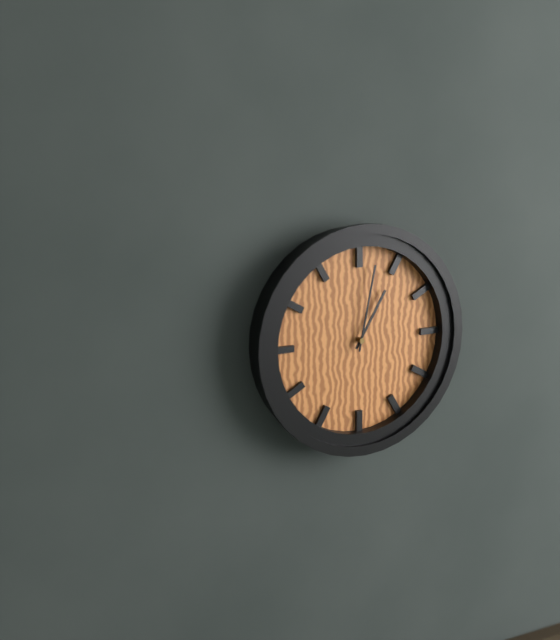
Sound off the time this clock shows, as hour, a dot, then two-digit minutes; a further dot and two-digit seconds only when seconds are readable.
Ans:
1.02
